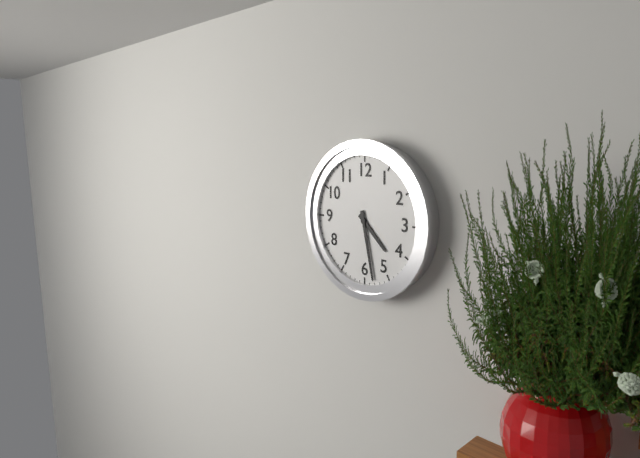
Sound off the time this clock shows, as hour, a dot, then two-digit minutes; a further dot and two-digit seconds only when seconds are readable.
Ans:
4.28
